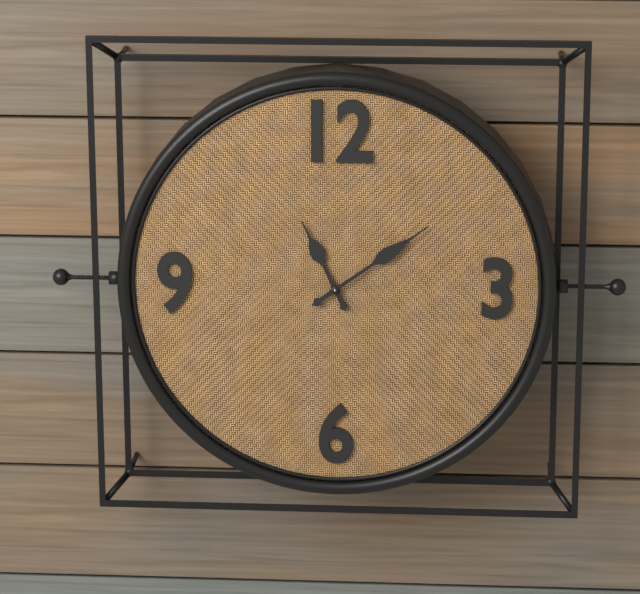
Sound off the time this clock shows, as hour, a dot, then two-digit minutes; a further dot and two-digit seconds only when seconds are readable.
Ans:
11.09
